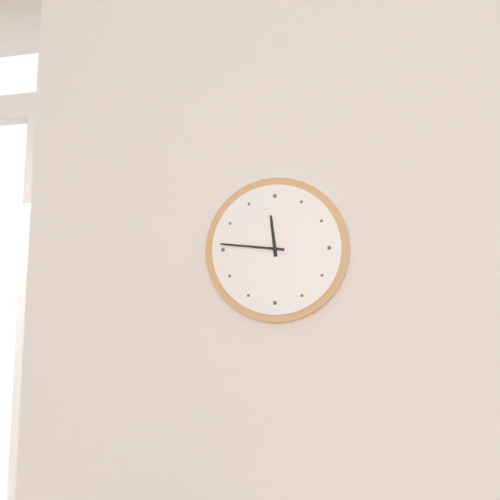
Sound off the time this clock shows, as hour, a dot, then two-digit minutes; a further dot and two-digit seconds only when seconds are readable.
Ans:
11.46
